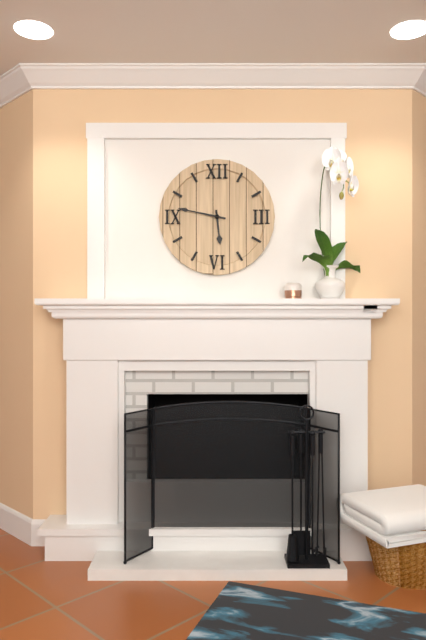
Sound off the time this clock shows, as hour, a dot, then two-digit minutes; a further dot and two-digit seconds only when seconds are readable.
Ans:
5.47
